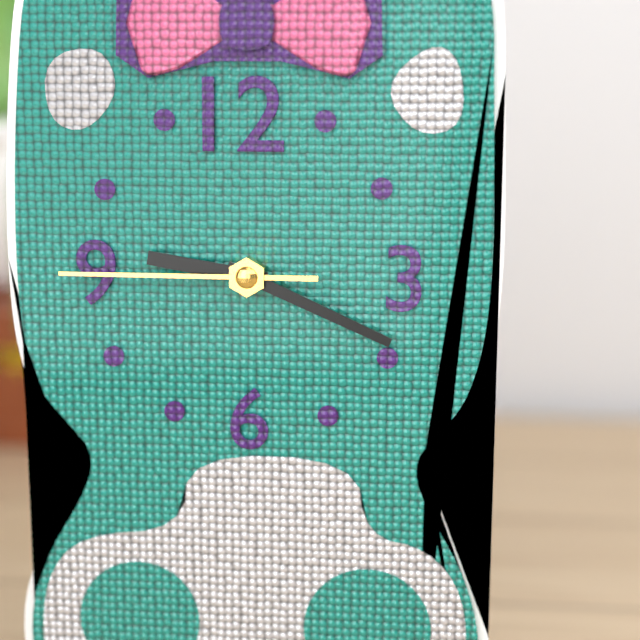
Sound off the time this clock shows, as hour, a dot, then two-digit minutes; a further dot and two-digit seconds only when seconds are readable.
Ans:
9.19.45
